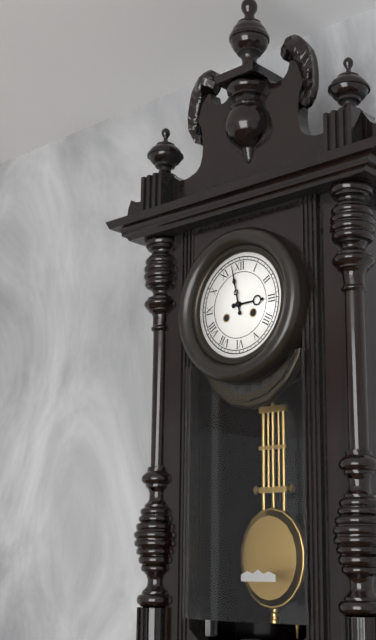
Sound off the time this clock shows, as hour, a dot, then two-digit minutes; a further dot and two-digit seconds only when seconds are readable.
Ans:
2.58
